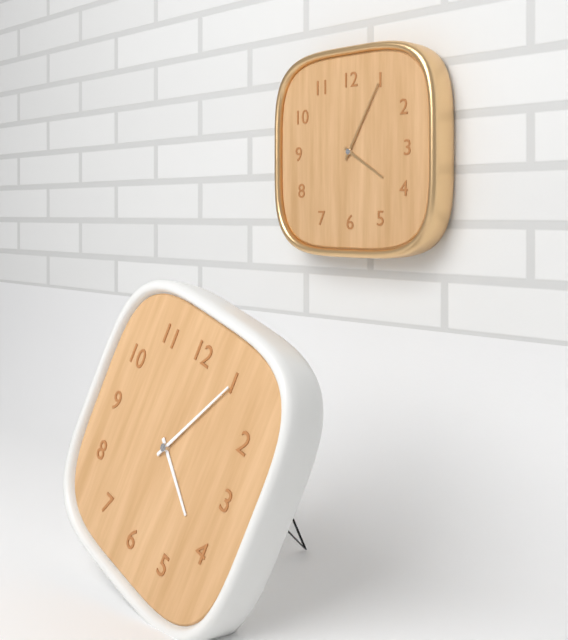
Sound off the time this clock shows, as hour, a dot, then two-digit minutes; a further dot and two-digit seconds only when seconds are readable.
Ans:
4.05
